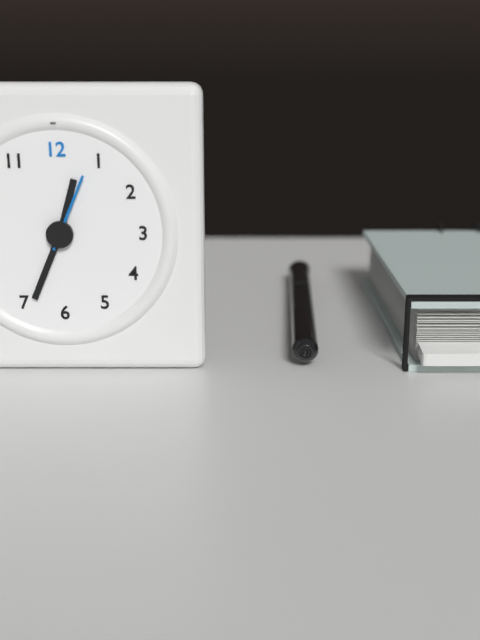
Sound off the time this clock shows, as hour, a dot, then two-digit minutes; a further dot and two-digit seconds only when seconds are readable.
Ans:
12.34.04
